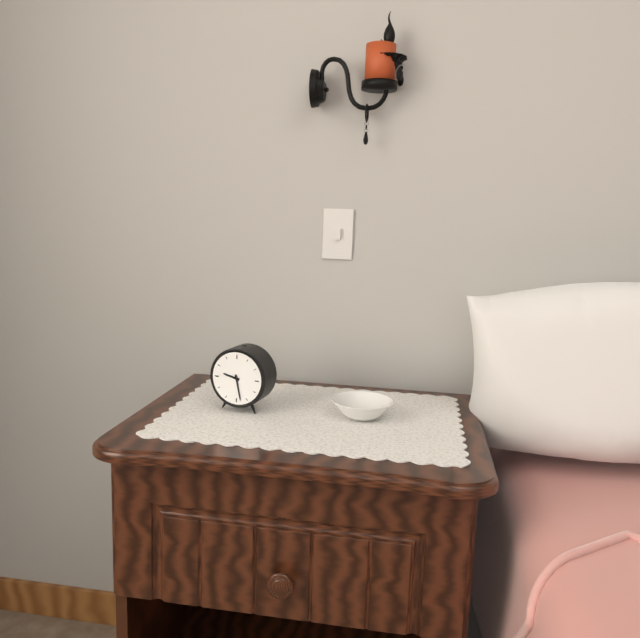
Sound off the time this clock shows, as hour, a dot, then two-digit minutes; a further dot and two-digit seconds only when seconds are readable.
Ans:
9.28
